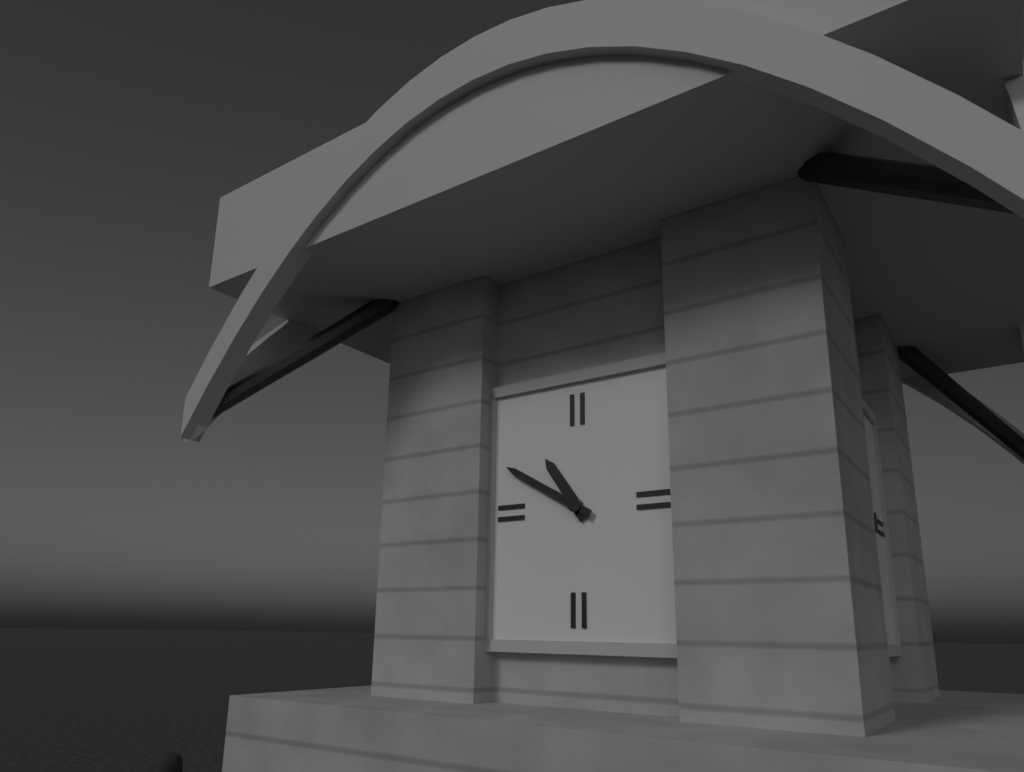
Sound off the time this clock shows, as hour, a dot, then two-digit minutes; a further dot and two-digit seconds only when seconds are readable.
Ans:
10.50
